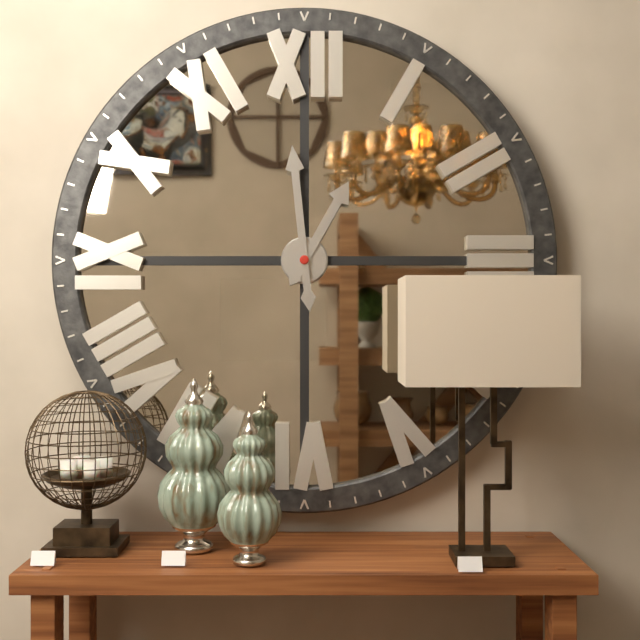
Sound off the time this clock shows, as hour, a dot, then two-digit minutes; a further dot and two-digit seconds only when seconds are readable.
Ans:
12.59
